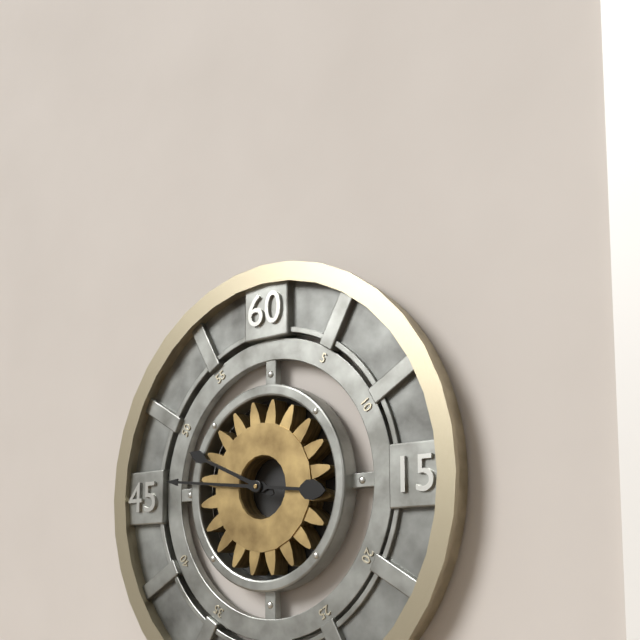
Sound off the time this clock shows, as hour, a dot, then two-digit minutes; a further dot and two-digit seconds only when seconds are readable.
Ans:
9.46
